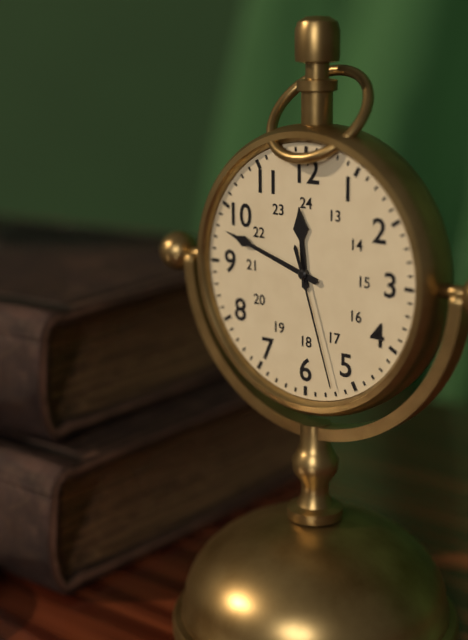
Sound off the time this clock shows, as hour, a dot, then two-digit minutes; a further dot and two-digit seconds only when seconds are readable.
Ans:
11.48.27
